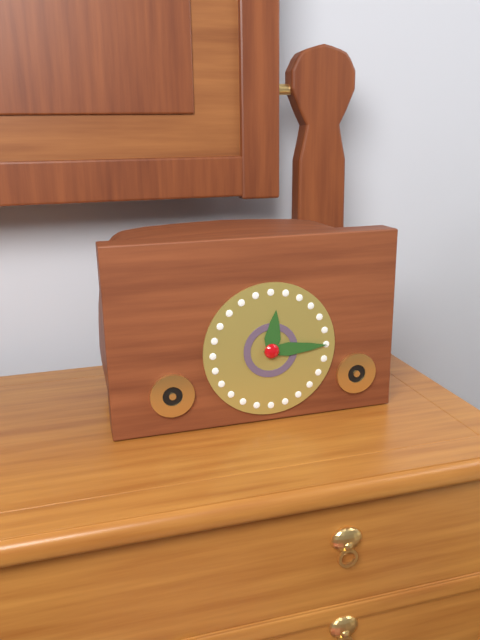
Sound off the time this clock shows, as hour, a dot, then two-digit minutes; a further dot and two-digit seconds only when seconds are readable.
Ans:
12.15
